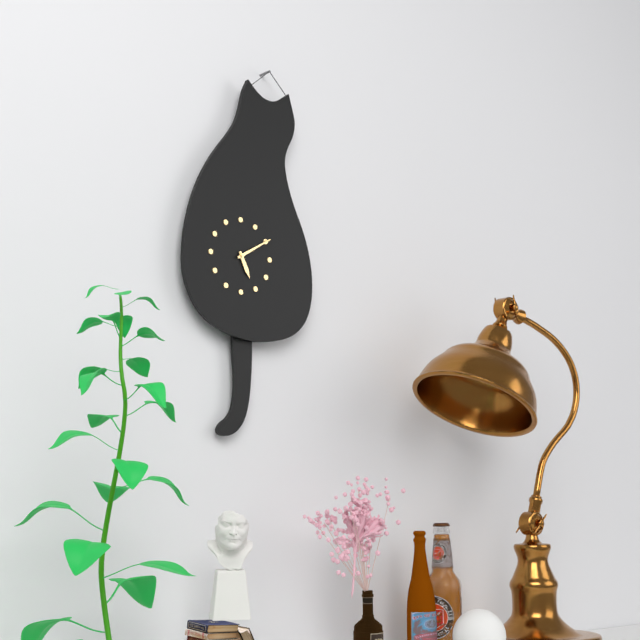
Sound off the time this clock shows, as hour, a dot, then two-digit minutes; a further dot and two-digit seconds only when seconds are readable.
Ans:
5.10
